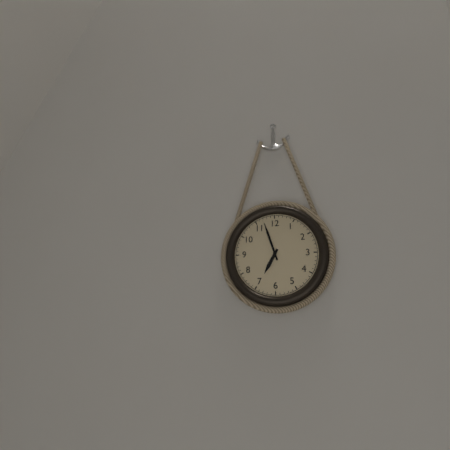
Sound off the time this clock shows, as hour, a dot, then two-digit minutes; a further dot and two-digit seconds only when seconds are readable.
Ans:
6.57
